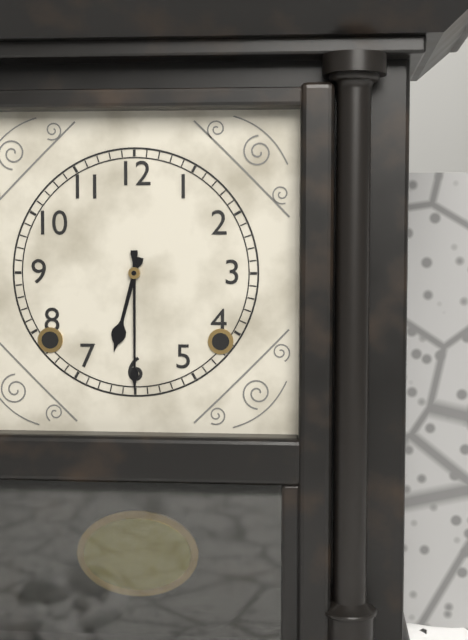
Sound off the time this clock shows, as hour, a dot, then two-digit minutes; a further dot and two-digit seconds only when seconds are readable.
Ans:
6.30
